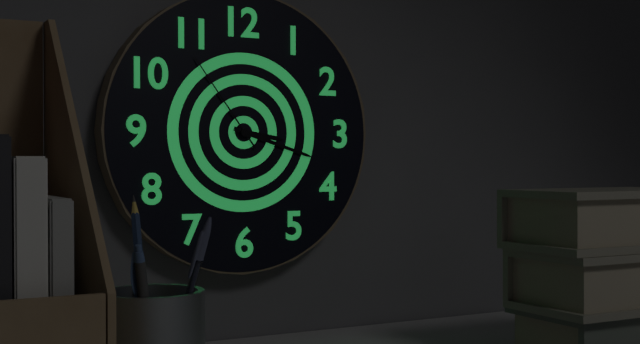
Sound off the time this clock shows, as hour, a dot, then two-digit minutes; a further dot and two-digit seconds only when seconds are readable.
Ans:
3.18.54
